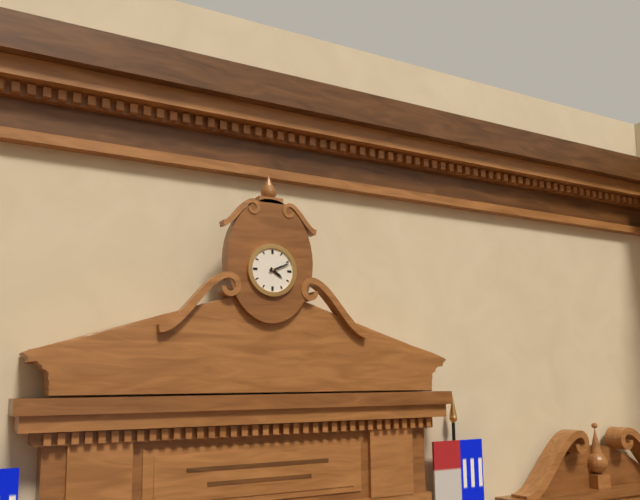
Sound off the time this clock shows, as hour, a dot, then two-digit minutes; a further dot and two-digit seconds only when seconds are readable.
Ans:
4.11
